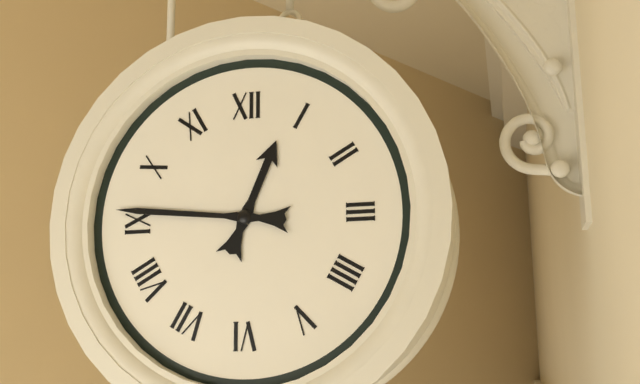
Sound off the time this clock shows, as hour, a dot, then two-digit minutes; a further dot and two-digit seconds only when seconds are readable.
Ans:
12.46
